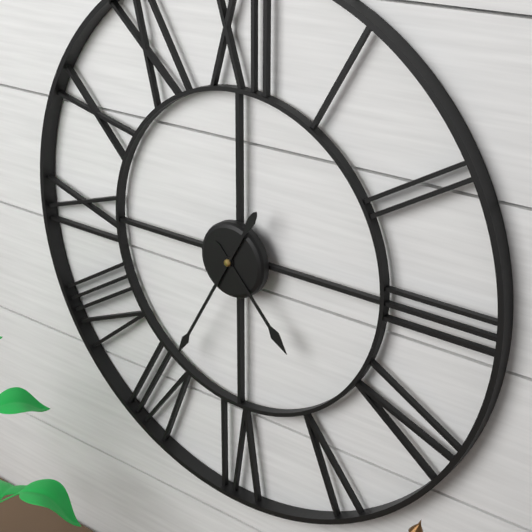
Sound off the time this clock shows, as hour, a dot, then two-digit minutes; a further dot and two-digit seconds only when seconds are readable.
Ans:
4.35
